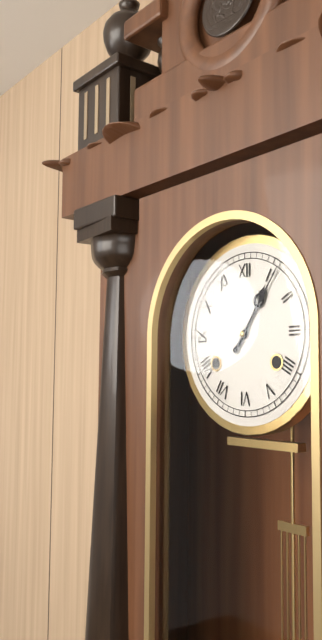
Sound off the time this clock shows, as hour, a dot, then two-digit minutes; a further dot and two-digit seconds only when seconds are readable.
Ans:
1.06
